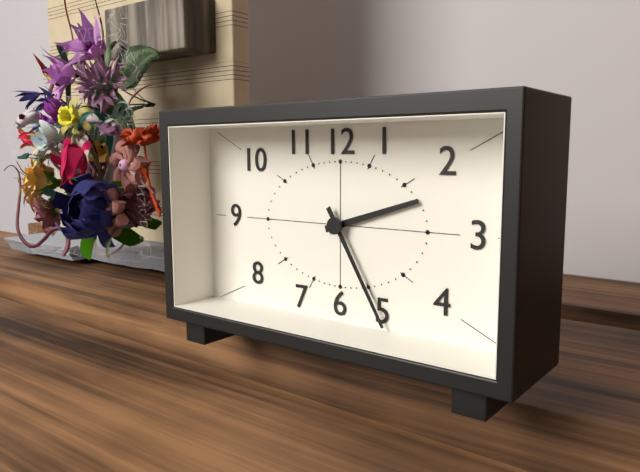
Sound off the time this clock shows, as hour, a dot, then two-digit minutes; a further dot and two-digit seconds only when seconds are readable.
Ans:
2.25
